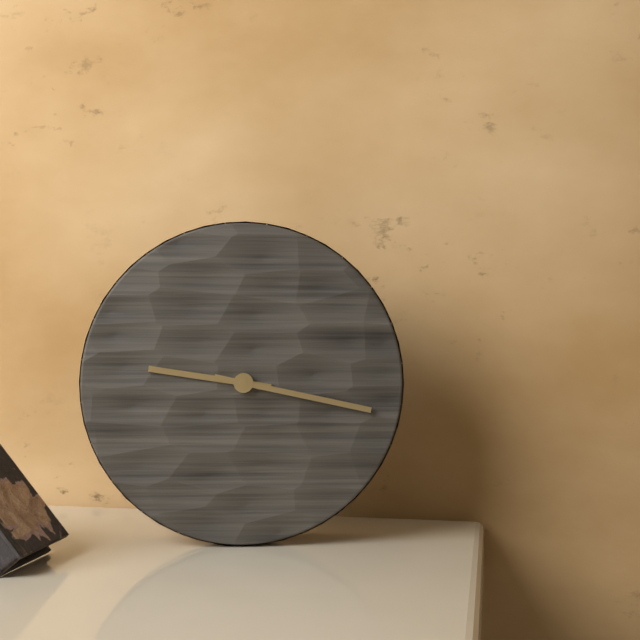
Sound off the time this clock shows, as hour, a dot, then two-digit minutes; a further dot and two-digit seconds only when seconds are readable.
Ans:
9.17
